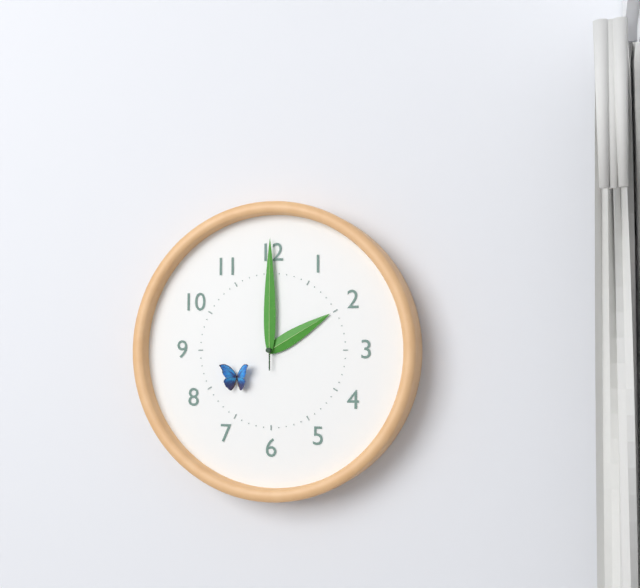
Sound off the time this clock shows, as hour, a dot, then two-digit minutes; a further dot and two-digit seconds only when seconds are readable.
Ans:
2.00
